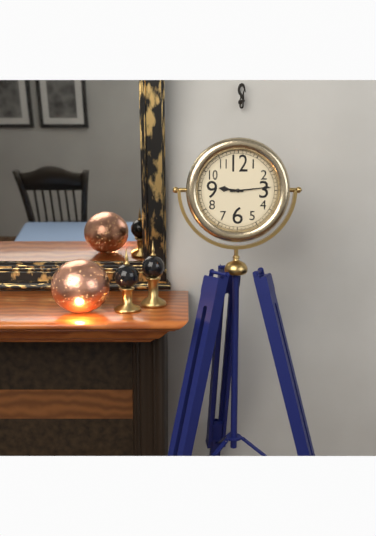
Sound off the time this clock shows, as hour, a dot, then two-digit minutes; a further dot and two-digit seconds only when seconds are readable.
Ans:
9.14
